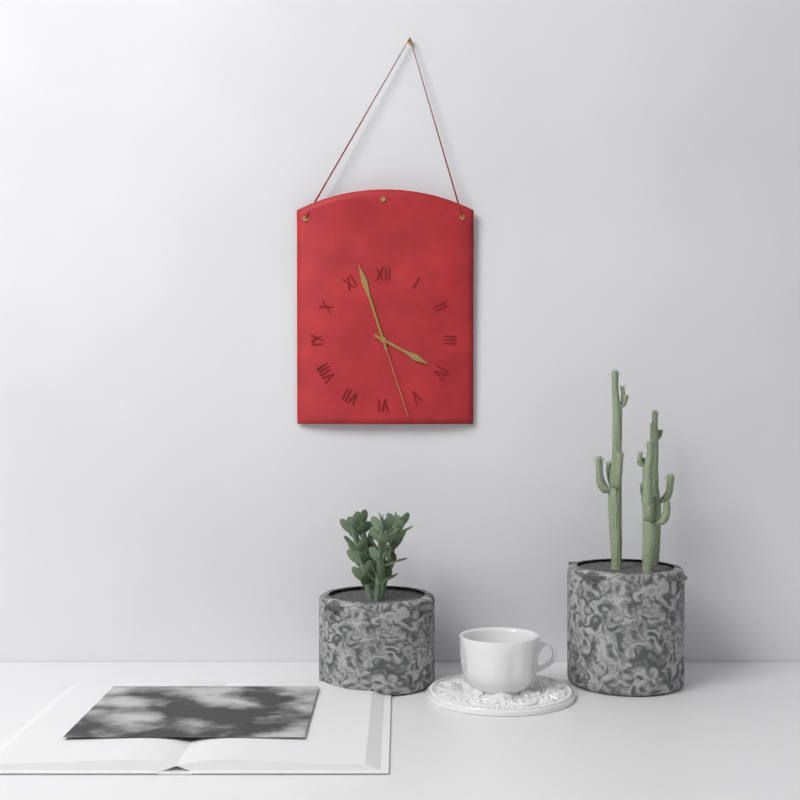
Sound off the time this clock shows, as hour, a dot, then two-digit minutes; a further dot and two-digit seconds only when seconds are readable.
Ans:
3.57.27
